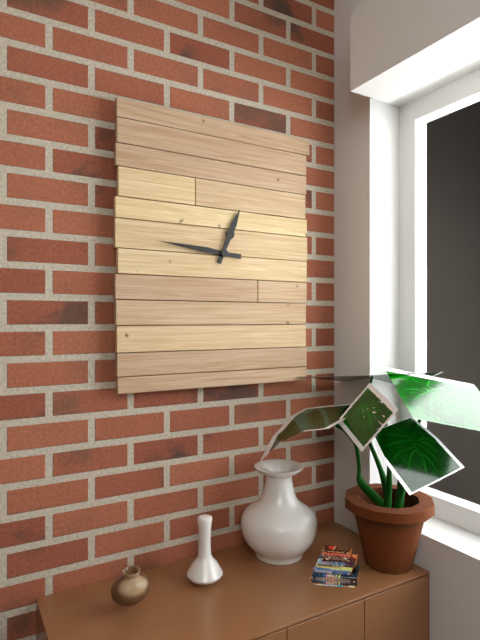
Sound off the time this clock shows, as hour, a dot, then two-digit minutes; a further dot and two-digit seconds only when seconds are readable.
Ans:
12.46
